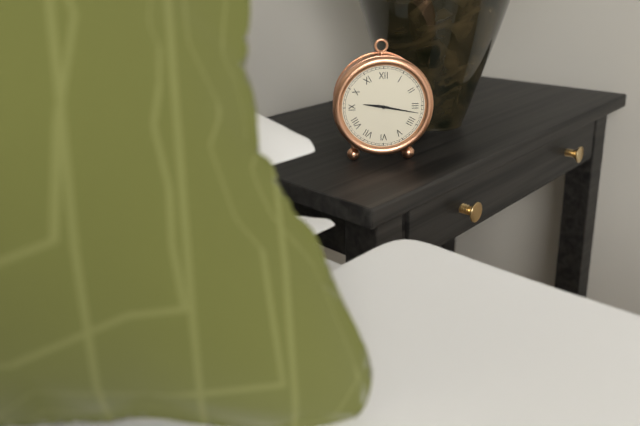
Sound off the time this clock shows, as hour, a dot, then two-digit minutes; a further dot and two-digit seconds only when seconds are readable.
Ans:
9.17
